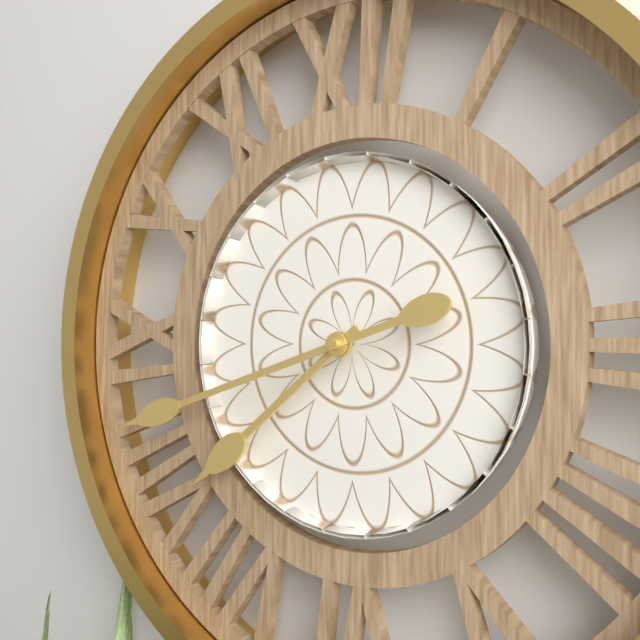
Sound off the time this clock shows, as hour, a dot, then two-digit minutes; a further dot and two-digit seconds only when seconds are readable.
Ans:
7.42
